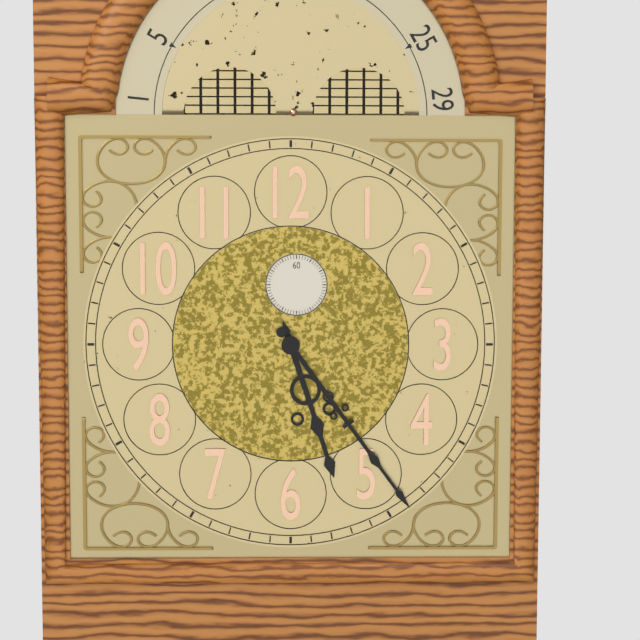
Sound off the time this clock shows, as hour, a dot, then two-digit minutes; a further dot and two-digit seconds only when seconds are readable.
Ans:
5.24
